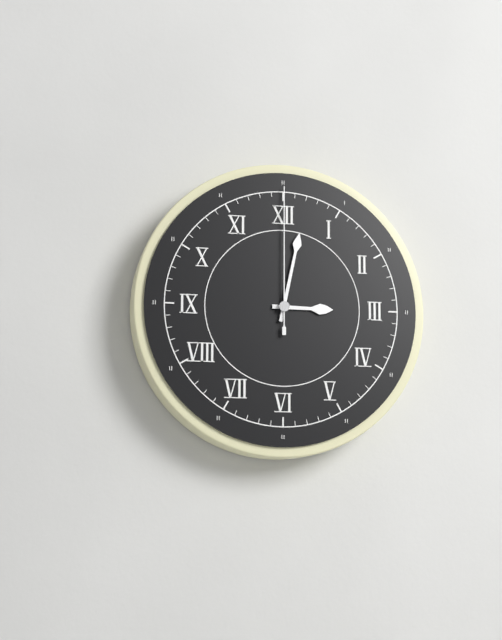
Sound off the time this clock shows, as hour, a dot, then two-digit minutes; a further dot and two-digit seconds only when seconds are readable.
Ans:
3.02.00
